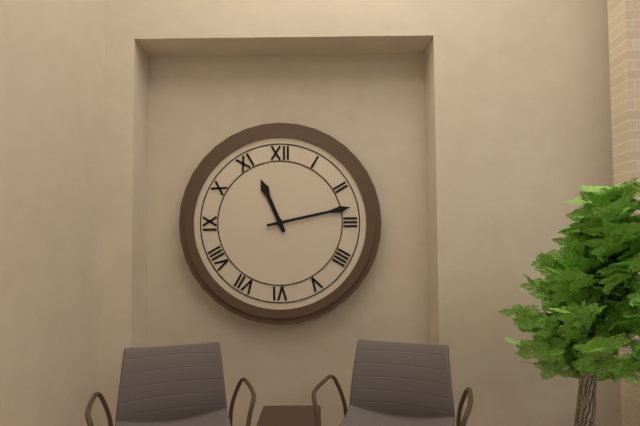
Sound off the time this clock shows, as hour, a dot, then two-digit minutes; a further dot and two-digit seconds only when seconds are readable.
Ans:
11.13
